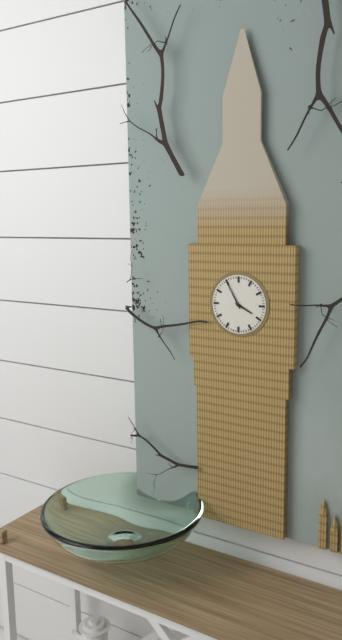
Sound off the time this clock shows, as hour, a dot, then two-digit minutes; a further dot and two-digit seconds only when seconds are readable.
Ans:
3.55
